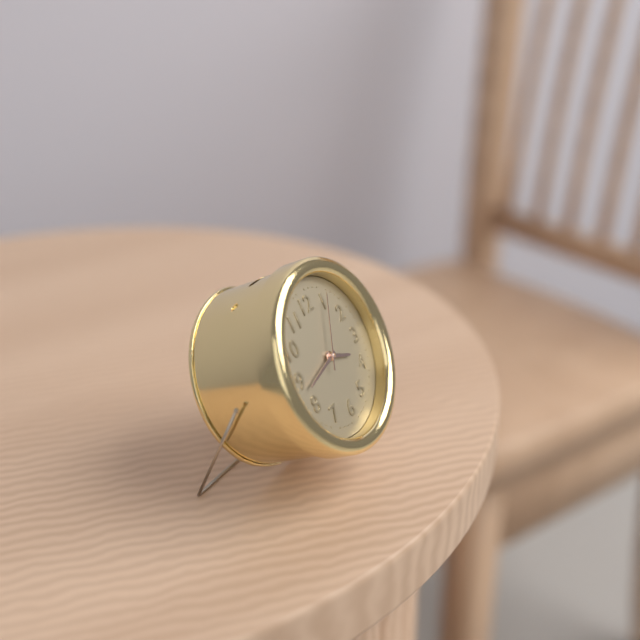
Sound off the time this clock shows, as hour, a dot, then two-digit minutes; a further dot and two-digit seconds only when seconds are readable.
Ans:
3.43.05
